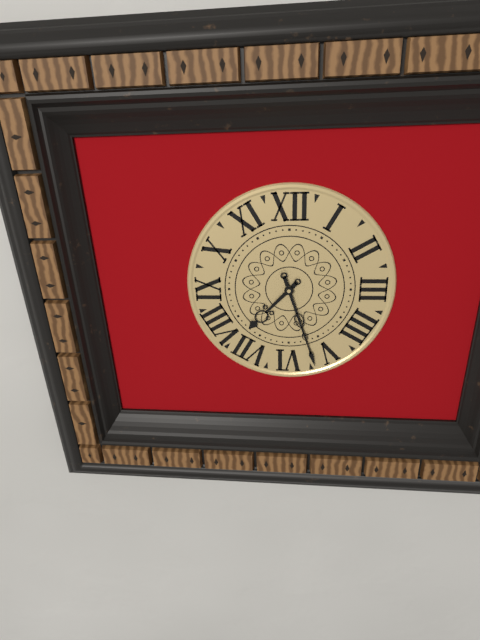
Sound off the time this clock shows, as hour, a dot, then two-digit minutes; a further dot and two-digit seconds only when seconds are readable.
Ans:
7.27
